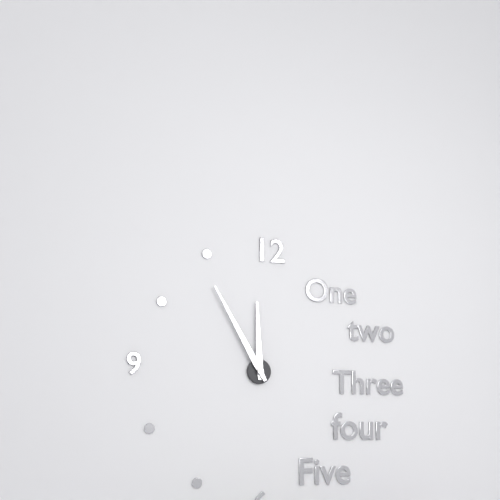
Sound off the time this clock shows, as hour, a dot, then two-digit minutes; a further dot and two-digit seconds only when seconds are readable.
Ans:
11.55
